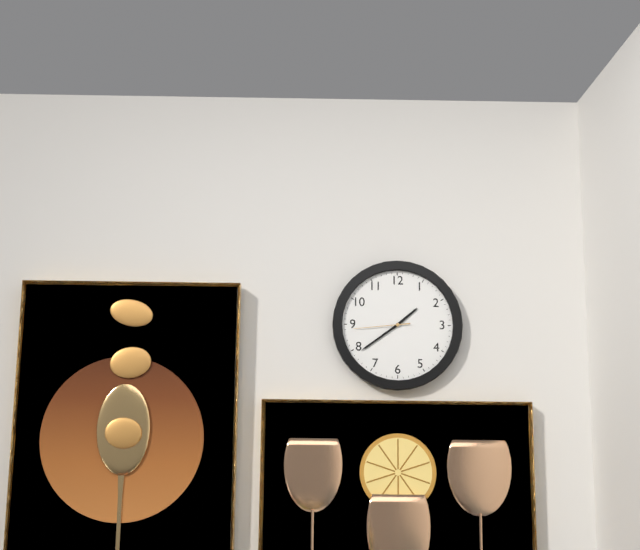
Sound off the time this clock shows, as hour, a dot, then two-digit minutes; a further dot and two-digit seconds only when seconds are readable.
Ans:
1.39.44
